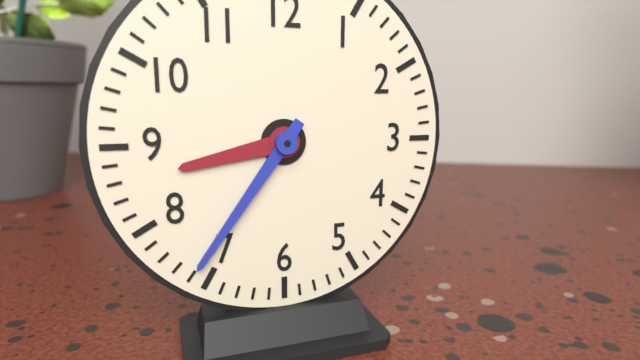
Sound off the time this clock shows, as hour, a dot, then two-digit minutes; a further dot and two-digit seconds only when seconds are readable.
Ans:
8.36
